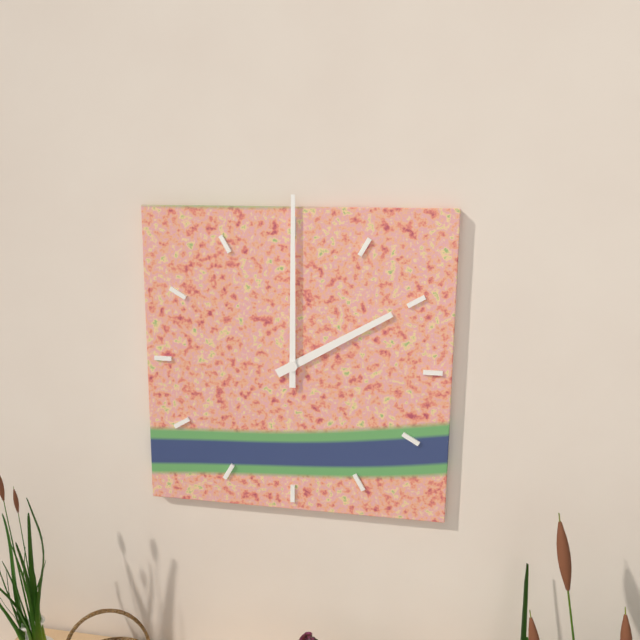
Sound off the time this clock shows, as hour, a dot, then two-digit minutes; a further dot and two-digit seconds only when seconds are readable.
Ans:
2.00
